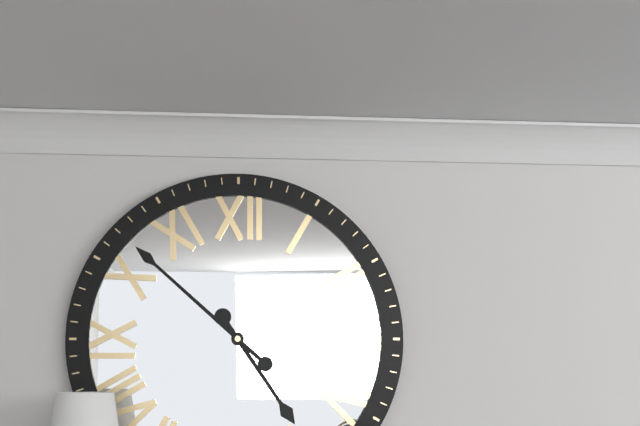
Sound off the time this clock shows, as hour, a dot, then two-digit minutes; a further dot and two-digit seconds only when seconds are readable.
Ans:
4.52
